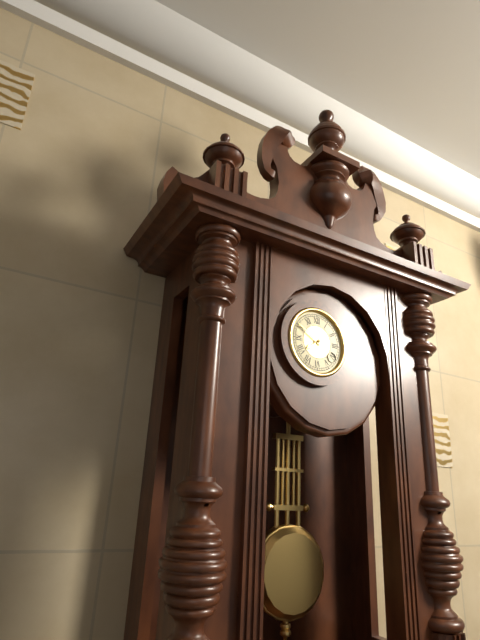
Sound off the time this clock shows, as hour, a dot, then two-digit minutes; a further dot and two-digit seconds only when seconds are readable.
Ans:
7.50
